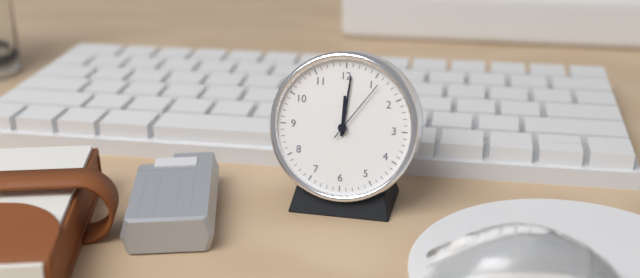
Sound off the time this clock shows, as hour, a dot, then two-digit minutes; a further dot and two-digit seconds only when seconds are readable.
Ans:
12.01.06
